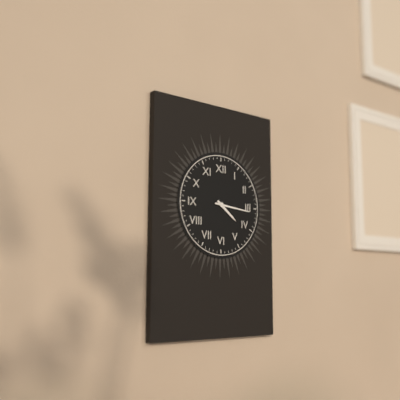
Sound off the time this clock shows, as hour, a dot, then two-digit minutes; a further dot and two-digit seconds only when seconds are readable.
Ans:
4.16
